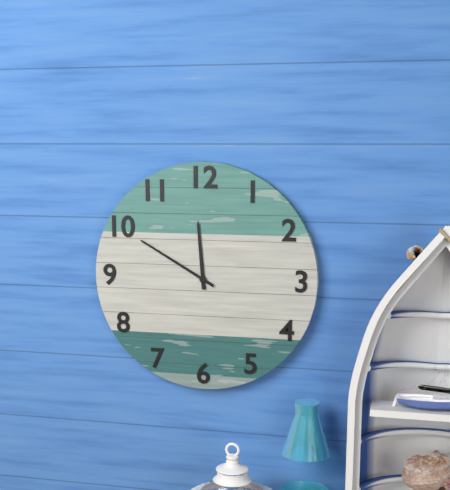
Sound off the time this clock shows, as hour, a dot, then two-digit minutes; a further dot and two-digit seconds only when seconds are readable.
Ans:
11.50
